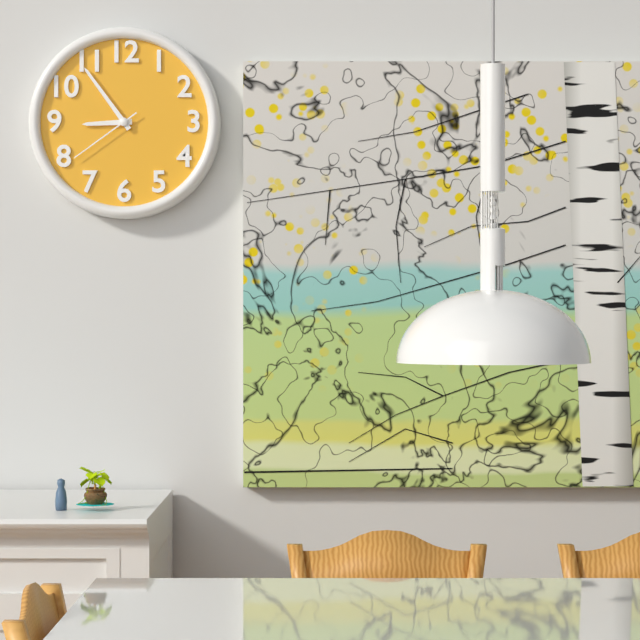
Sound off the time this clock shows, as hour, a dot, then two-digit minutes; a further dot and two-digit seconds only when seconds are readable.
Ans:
8.54.39
